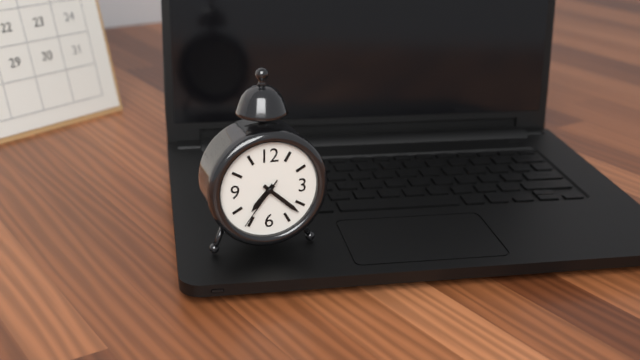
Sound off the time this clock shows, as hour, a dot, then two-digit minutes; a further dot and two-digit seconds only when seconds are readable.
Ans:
7.22.36
